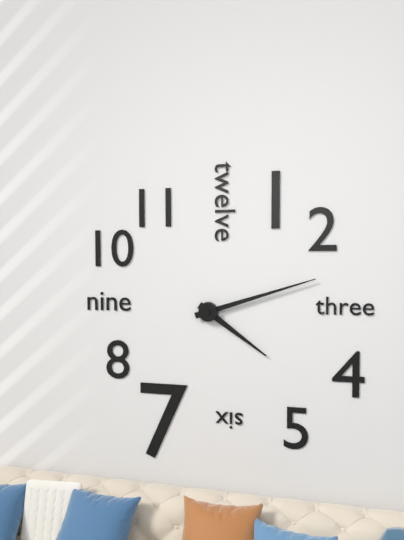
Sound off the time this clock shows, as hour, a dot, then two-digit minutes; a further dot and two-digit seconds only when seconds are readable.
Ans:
4.12
